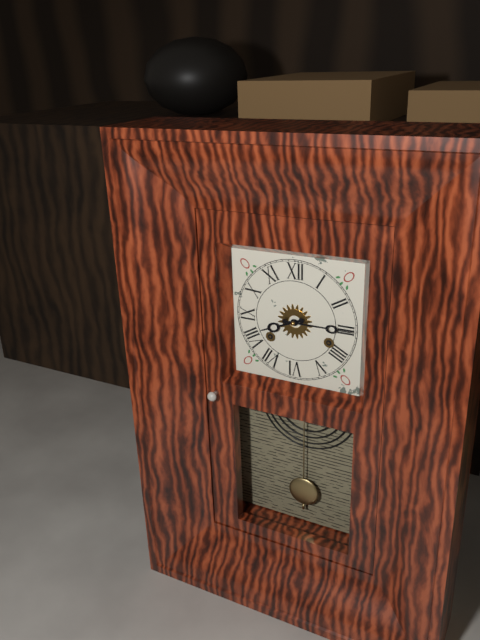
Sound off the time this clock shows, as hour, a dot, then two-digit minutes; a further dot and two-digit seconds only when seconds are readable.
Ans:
8.15
